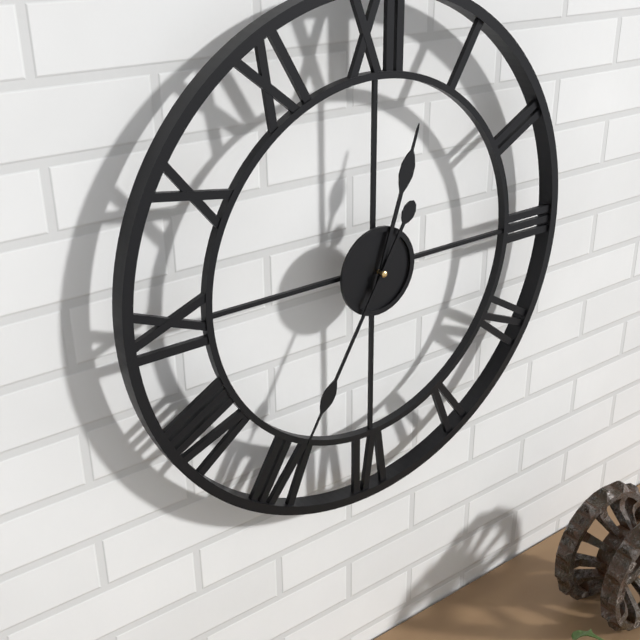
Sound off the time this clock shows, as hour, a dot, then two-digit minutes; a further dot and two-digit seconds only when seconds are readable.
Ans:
12.35
